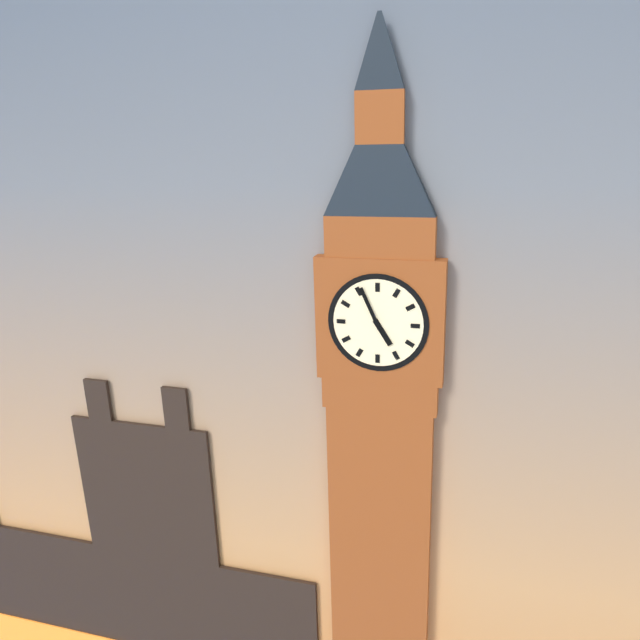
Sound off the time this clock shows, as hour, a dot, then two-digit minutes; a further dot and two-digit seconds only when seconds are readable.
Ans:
4.56
